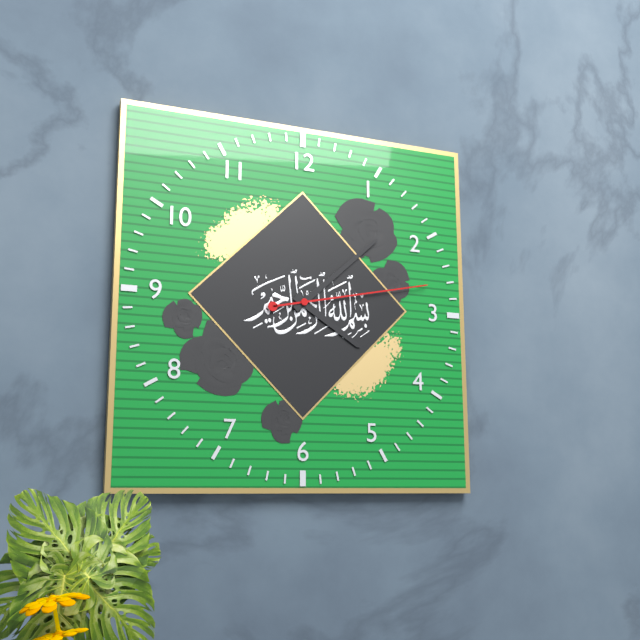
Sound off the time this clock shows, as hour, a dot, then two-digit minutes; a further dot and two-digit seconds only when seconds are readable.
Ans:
4.08.13
